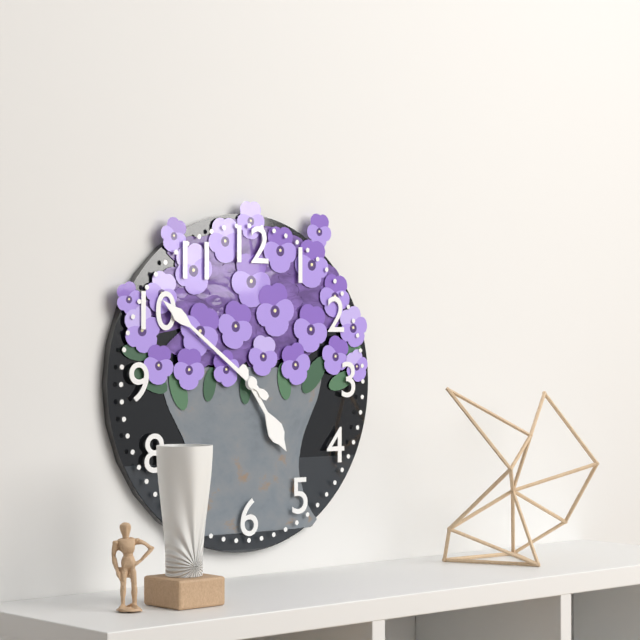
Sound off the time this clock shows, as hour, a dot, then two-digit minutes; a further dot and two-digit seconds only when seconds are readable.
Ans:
4.51
